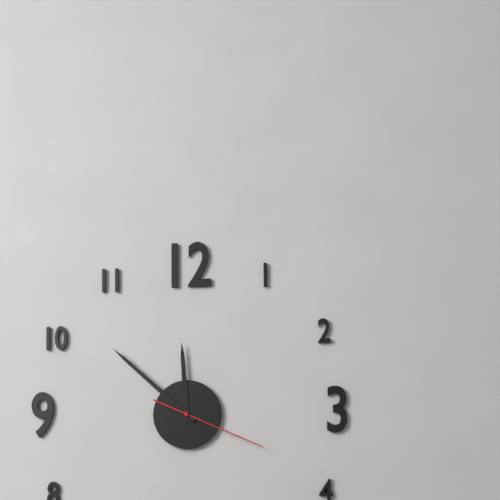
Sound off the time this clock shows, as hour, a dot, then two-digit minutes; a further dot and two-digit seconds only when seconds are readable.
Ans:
11.52.19
